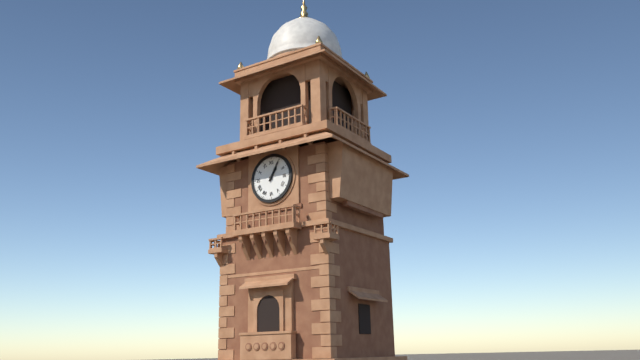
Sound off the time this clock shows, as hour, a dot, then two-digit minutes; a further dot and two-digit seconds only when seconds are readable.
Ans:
1.05
